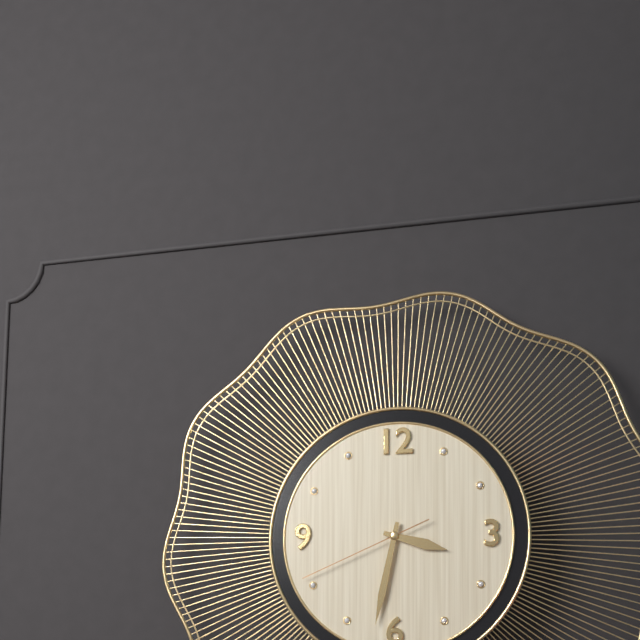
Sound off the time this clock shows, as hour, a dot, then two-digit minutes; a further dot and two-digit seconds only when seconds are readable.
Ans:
3.32.41
